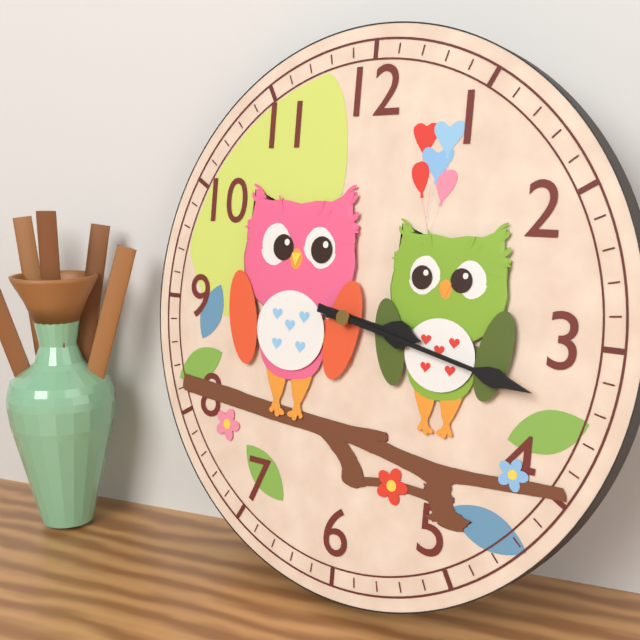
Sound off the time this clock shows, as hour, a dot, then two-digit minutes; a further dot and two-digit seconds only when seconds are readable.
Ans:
3.17
